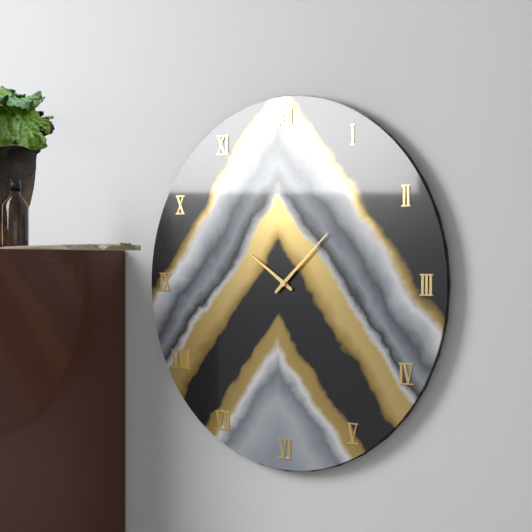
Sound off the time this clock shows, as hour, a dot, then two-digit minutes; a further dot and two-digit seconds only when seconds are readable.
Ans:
10.08
